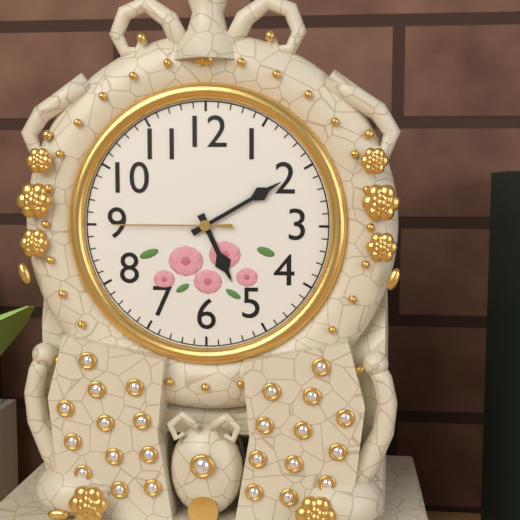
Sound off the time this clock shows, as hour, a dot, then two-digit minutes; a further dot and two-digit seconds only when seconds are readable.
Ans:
5.10.45
